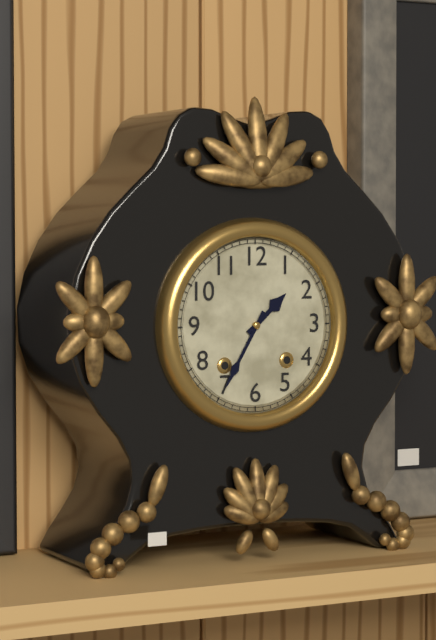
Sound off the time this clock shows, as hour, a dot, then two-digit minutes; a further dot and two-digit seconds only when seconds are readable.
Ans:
1.35
